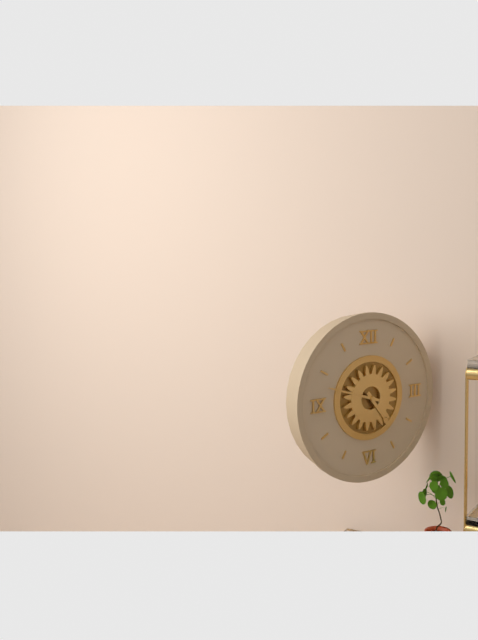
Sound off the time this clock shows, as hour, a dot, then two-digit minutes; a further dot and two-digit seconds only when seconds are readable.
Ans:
4.48
